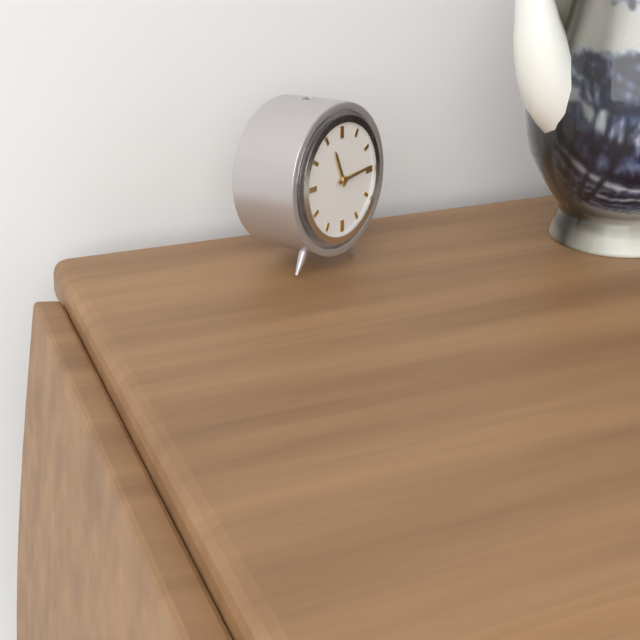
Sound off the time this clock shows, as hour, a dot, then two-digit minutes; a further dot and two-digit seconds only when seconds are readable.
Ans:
11.14
